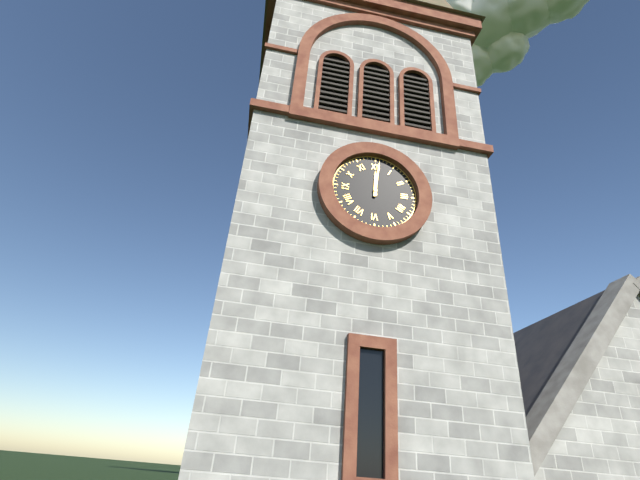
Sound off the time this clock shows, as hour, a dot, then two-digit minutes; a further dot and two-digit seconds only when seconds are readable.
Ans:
12.01
